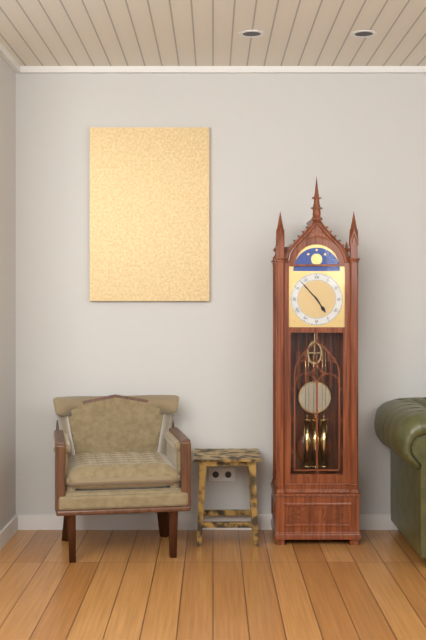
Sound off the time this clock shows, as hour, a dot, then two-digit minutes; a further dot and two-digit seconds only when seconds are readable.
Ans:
4.53
